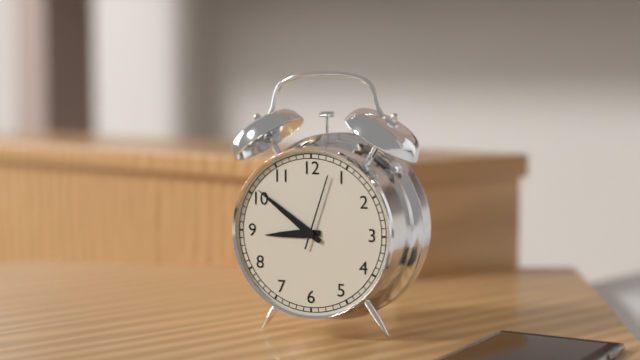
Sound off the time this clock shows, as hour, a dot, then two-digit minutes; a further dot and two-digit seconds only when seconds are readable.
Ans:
8.51.03
